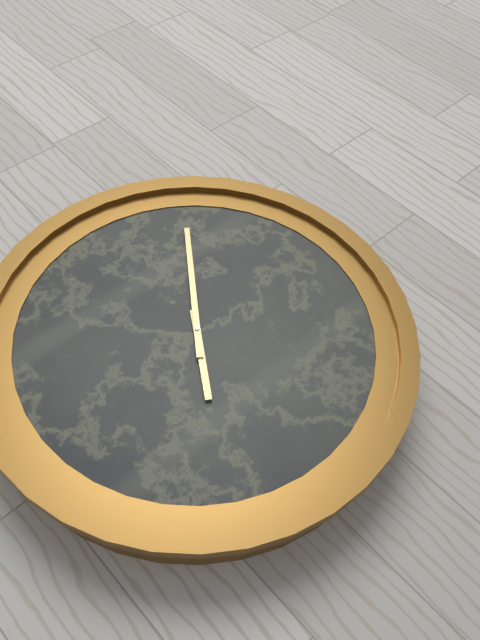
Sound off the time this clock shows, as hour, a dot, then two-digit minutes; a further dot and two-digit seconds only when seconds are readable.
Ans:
7.06
